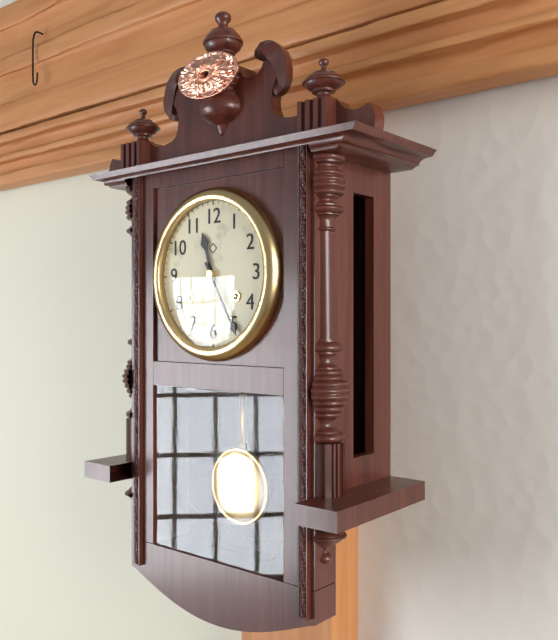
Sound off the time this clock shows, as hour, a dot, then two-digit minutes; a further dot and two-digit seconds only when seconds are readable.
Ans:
11.25
